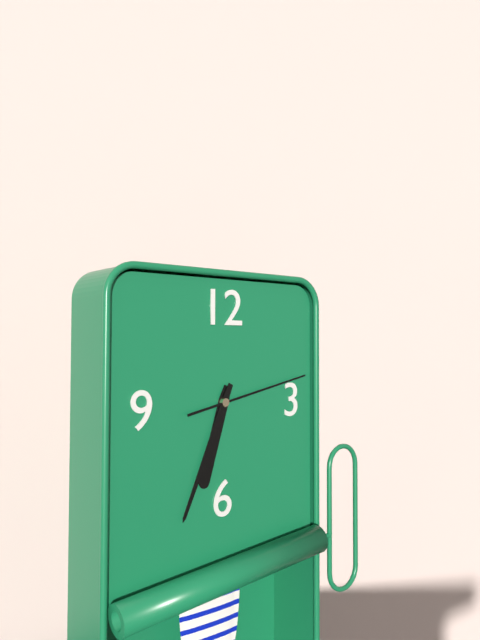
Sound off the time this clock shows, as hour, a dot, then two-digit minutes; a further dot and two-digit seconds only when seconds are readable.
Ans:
6.34.13
